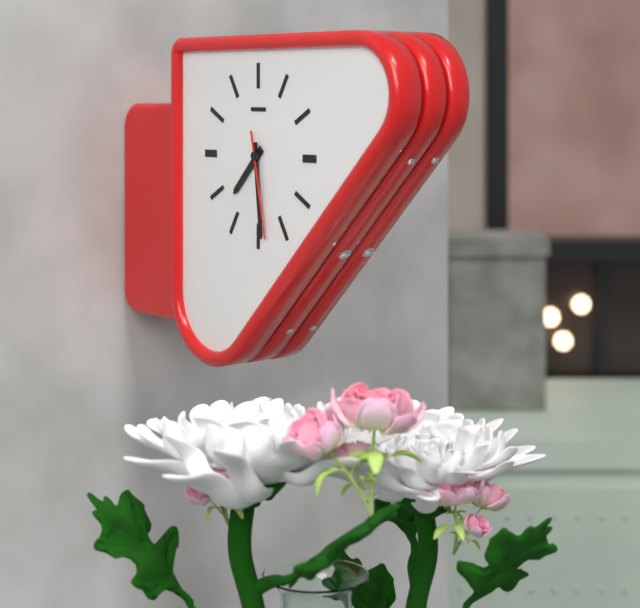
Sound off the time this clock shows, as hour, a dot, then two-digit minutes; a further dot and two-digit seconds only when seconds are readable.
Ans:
7.29.28
